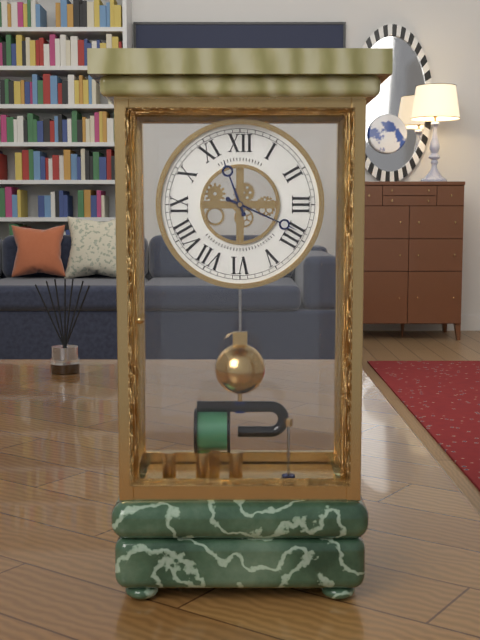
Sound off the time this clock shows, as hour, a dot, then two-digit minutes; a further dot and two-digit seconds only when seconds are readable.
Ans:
11.19
